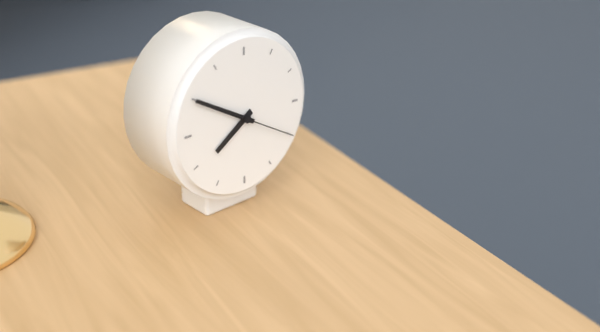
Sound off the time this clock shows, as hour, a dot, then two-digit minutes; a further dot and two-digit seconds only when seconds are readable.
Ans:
7.50.20
